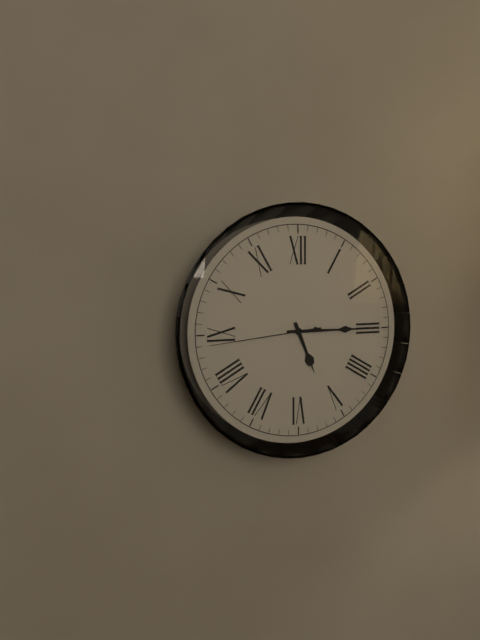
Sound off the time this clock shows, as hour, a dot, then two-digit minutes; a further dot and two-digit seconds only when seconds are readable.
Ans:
5.15.44
